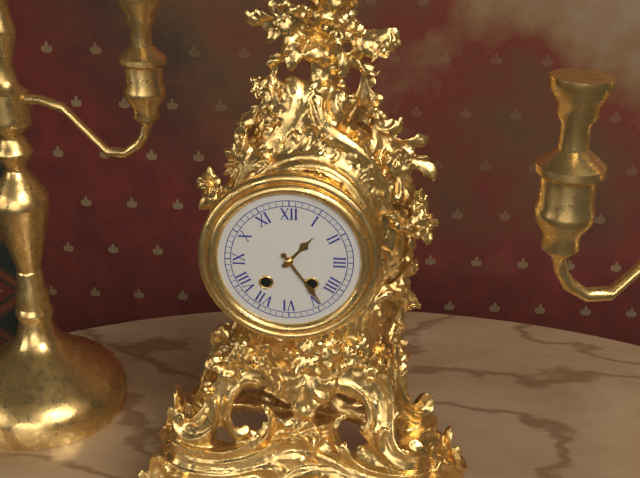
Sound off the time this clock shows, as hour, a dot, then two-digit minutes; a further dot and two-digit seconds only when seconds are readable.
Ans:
1.24
